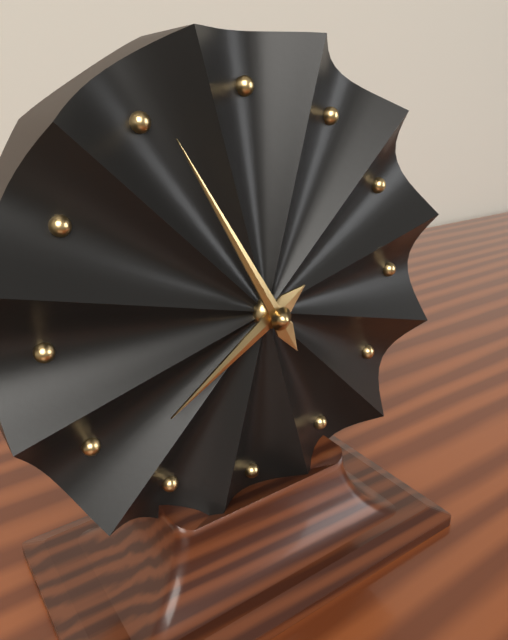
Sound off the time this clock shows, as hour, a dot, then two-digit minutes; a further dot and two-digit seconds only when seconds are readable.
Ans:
7.55
